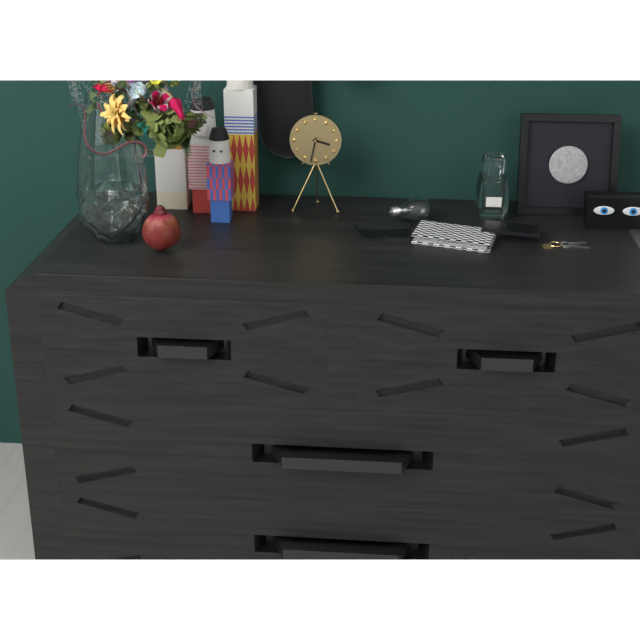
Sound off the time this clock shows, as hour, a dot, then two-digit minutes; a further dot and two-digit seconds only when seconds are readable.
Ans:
3.32
